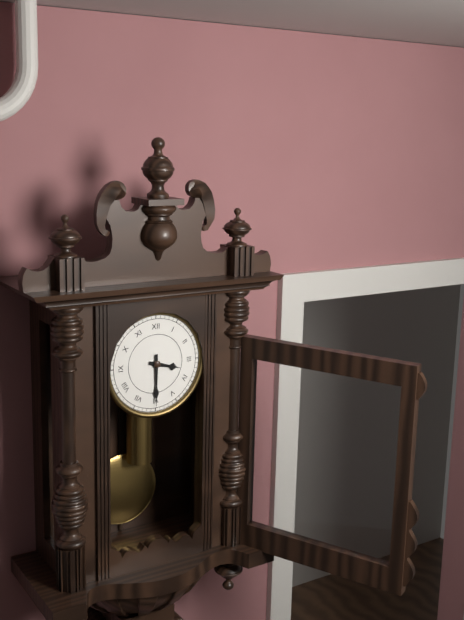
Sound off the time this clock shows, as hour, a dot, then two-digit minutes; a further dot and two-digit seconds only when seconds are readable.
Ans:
3.30
